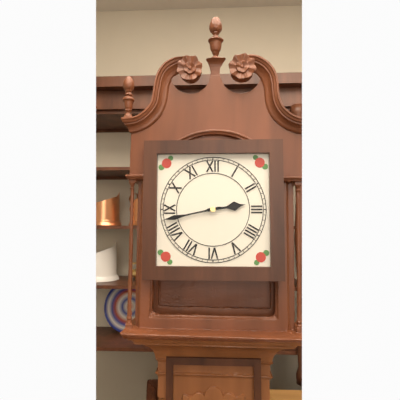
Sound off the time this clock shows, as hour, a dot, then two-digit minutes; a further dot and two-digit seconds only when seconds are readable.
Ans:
2.43
